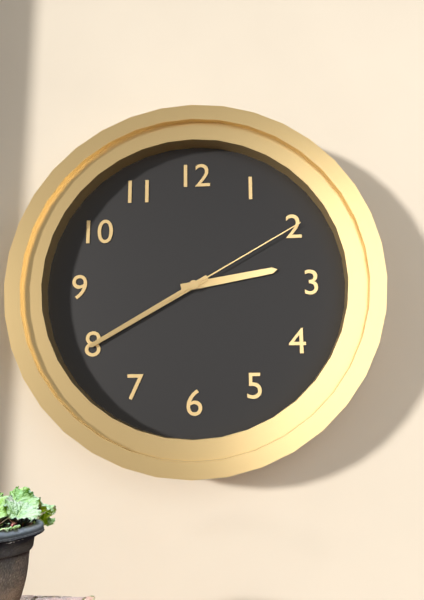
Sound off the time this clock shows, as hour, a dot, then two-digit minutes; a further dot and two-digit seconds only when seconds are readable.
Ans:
2.40.10
